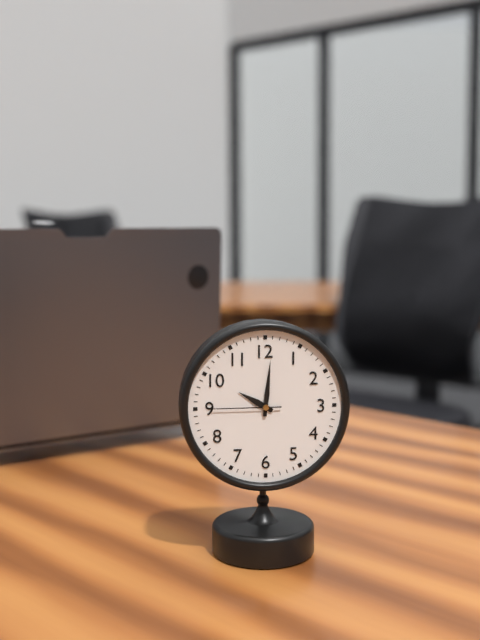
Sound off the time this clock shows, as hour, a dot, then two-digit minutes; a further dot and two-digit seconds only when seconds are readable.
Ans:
10.01.45
